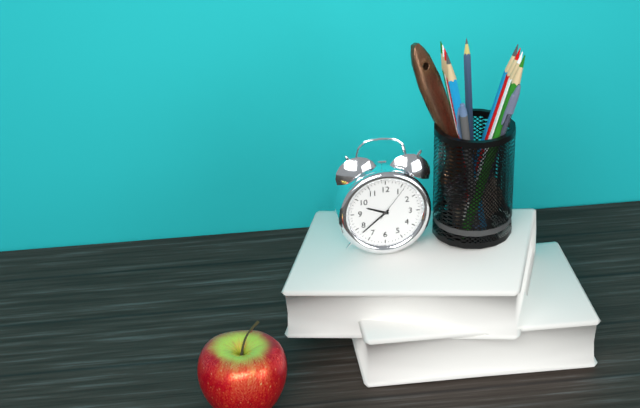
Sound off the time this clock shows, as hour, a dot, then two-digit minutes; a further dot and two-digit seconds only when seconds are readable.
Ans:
9.38
